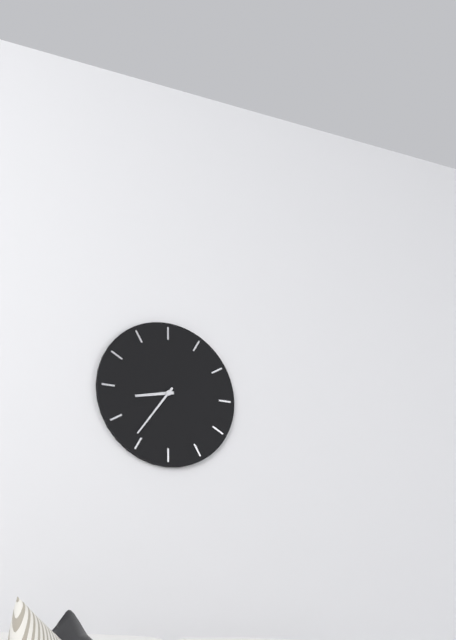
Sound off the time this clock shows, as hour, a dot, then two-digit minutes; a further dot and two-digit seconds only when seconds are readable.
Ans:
8.36
